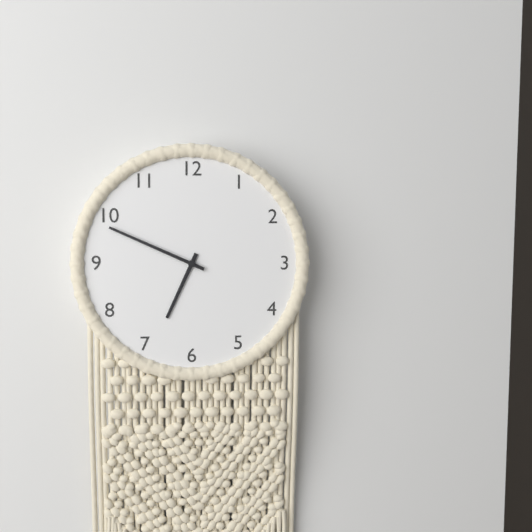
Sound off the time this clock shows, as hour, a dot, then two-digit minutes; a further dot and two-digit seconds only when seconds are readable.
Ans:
6.49
